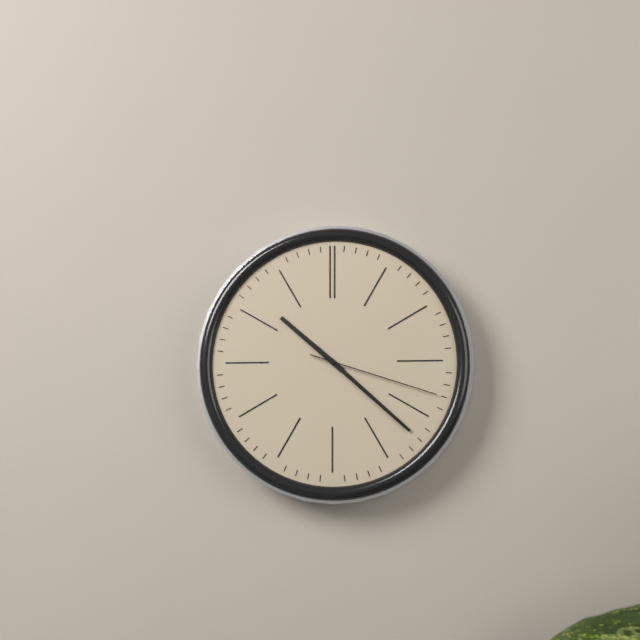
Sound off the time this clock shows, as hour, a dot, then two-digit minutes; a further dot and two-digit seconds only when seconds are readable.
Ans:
10.22.18
